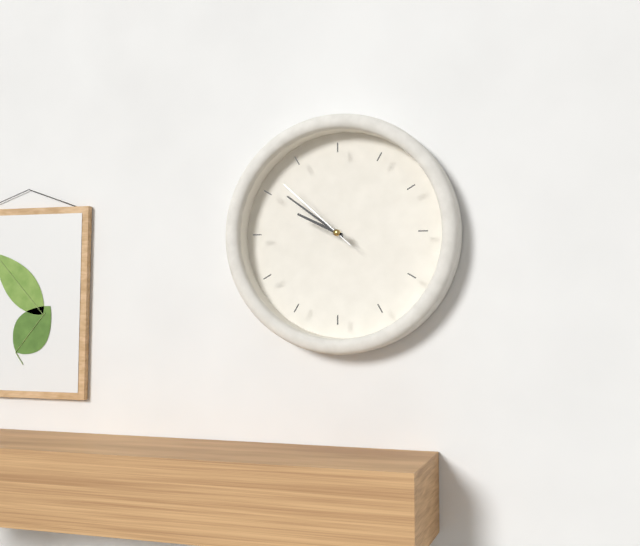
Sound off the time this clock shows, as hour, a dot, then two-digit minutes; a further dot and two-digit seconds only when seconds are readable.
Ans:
9.51.52
